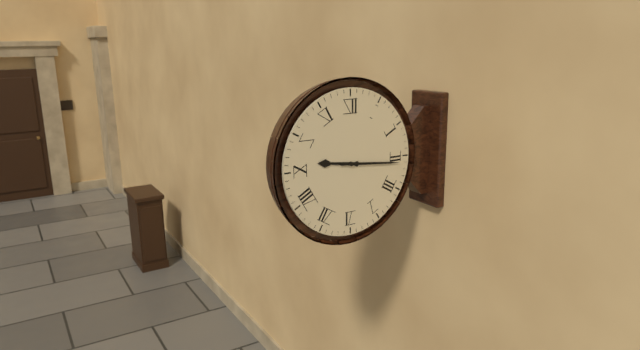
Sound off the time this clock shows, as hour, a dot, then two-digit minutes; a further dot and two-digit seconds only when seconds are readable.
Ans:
9.16
